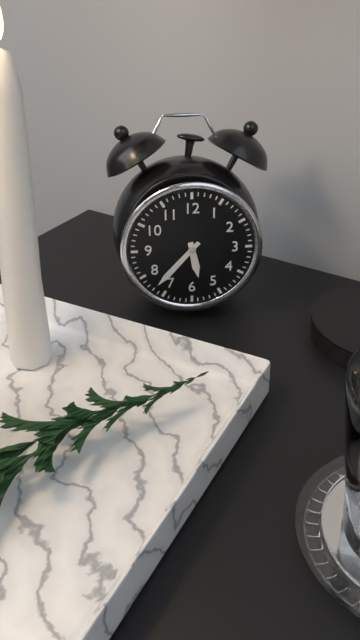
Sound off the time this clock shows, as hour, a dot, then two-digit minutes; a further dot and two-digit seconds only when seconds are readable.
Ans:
5.37
